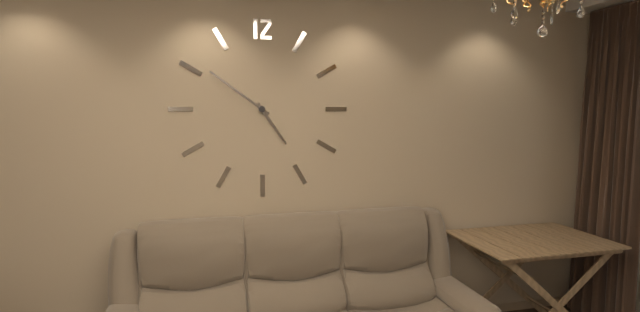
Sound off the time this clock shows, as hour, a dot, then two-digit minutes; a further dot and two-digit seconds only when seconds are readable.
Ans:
4.51
